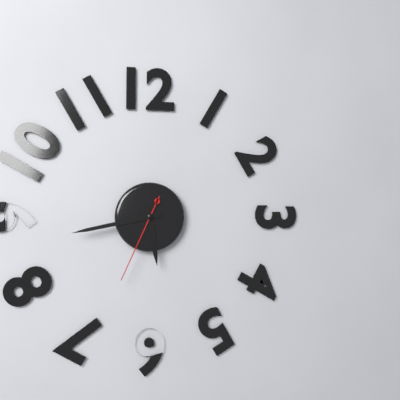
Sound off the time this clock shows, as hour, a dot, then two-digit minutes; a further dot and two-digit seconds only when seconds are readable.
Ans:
5.43.34
